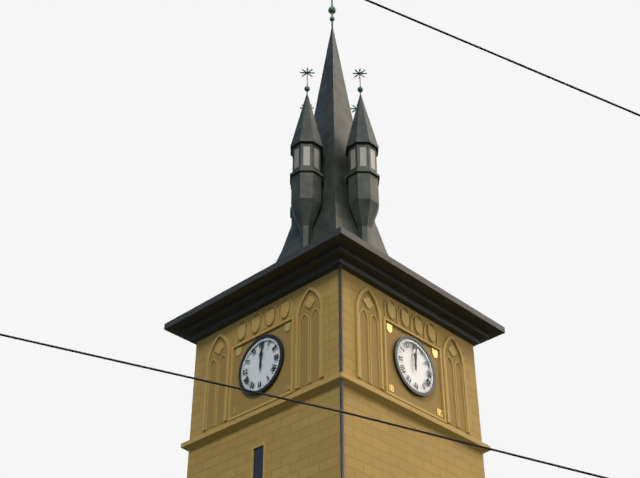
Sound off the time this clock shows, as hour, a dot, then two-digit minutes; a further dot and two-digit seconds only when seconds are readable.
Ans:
12.01
